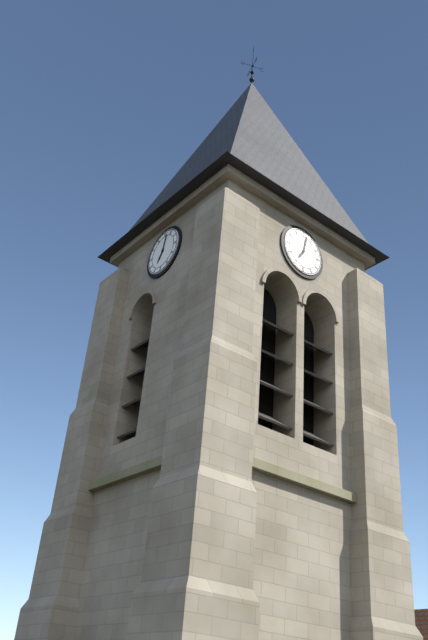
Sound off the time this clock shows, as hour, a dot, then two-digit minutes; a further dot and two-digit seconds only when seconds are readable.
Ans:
7.02
